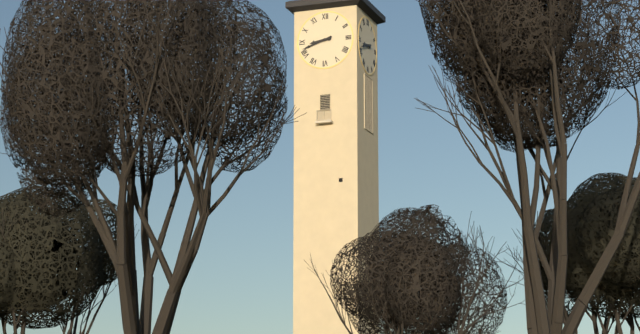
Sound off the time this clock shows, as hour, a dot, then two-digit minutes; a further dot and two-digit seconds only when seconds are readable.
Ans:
8.42
